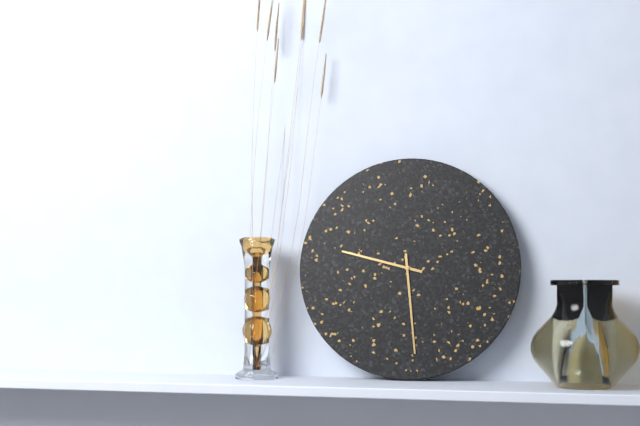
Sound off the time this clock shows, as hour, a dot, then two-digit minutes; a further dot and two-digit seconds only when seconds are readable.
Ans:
9.29
